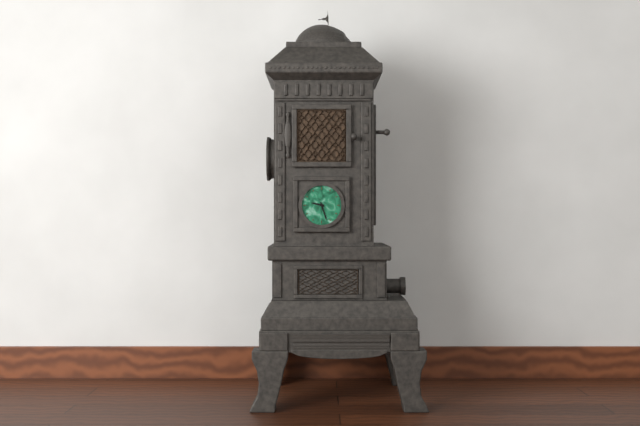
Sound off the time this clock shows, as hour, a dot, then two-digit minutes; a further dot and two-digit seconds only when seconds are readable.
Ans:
9.27
